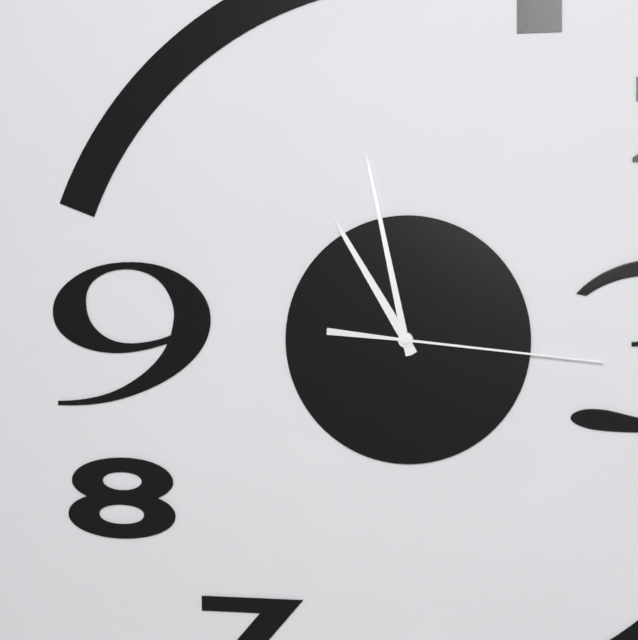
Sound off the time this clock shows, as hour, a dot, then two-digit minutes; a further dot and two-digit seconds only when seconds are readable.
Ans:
10.58.16
